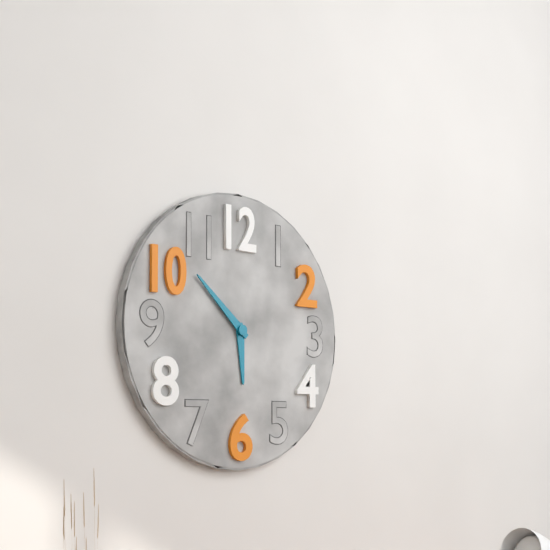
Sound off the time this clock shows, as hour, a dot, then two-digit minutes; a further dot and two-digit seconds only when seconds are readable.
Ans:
5.52
